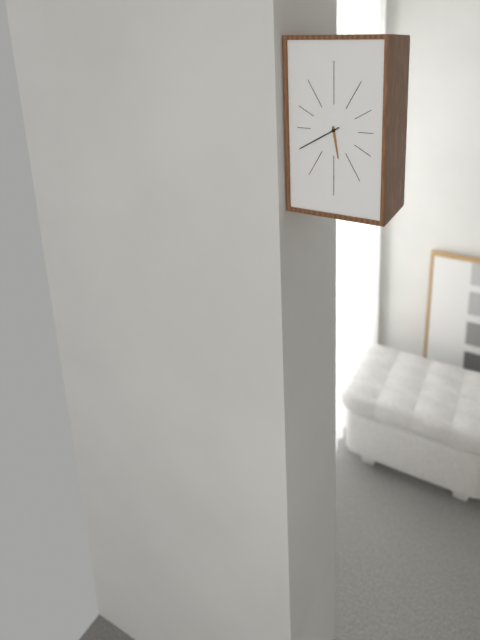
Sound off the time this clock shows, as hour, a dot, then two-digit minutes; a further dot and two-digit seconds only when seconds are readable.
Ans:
5.40
